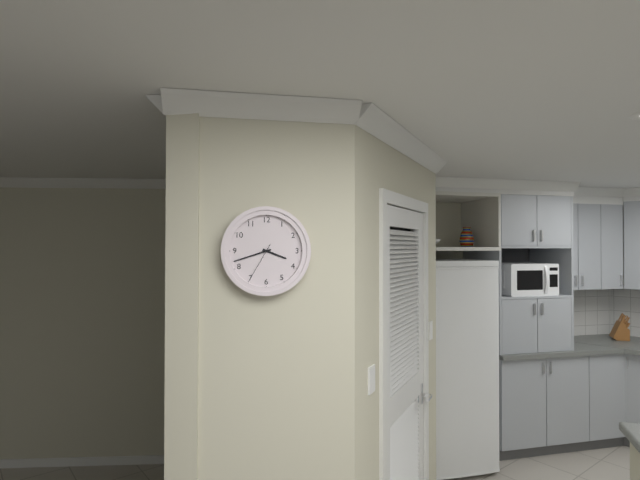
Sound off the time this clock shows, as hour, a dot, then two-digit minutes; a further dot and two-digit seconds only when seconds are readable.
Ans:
3.42
